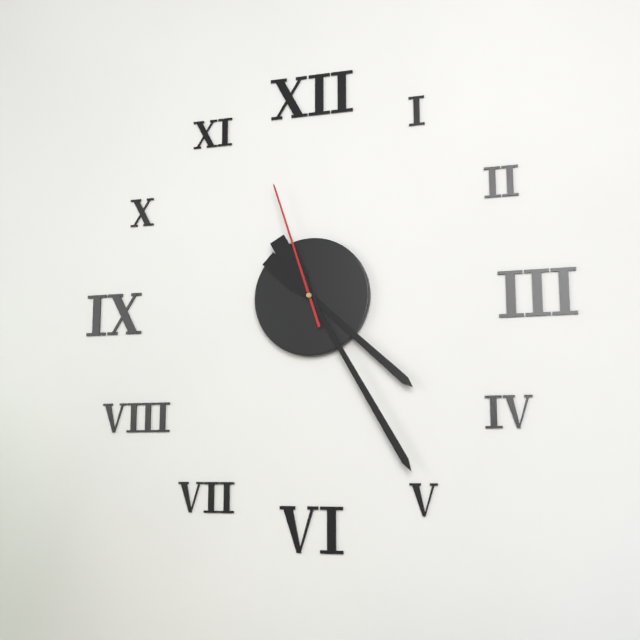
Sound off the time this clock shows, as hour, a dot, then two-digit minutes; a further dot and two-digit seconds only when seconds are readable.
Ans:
4.25.57
